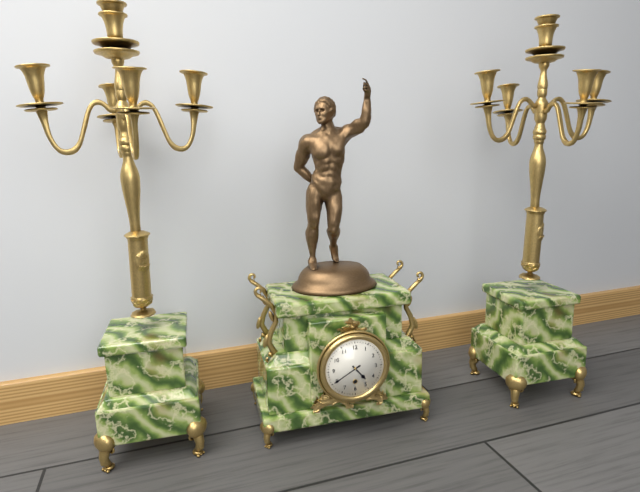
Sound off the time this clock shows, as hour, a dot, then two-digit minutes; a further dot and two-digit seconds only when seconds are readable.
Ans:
4.40
